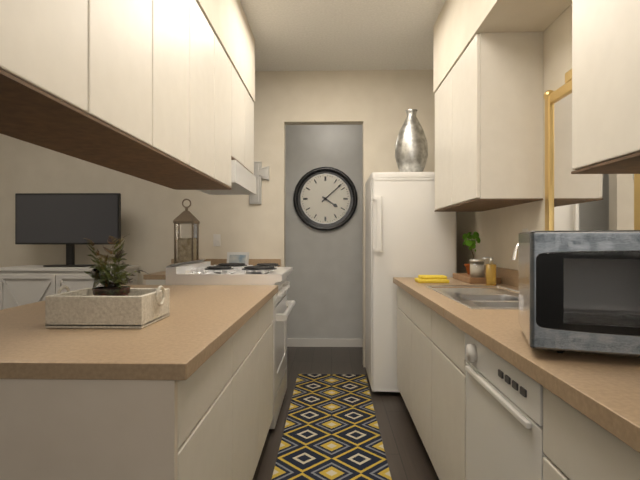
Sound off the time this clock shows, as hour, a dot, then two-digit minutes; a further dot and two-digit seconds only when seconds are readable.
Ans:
4.08
